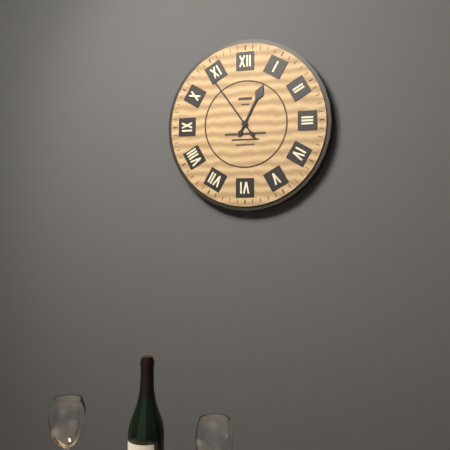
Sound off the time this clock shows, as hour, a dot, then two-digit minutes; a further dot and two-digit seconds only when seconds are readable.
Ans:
12.54
